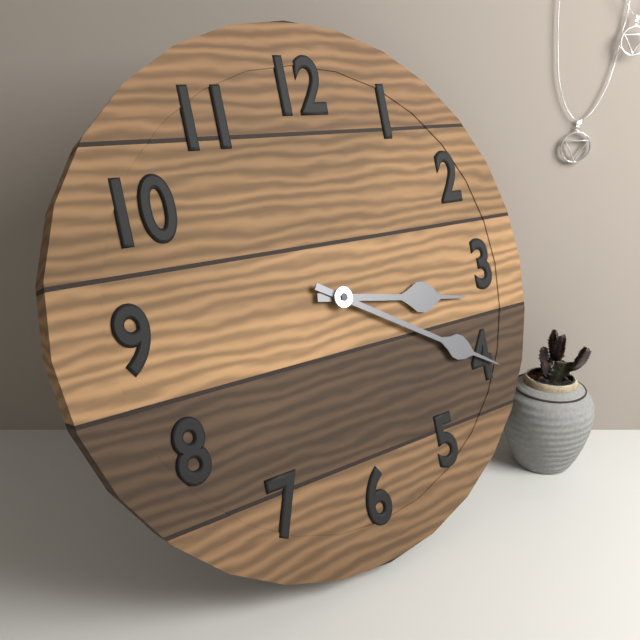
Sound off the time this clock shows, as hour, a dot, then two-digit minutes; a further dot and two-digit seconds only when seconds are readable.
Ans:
3.20
